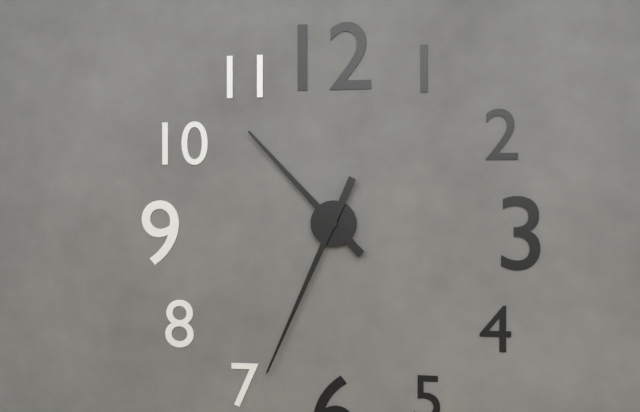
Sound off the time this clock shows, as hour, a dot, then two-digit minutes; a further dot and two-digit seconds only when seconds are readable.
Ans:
10.34
